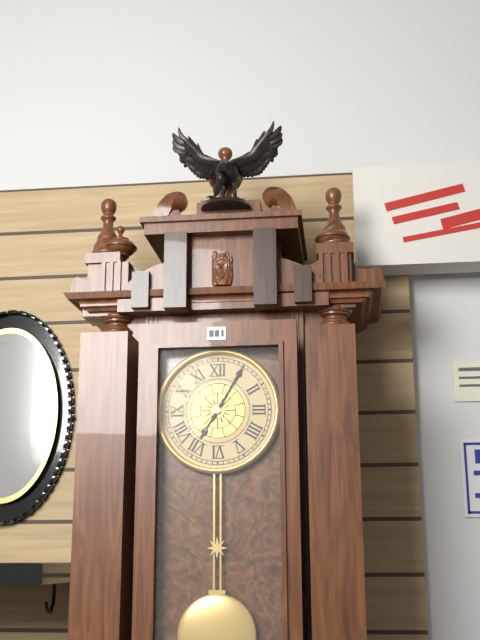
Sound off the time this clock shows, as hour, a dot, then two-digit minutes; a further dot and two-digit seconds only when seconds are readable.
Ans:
7.05
